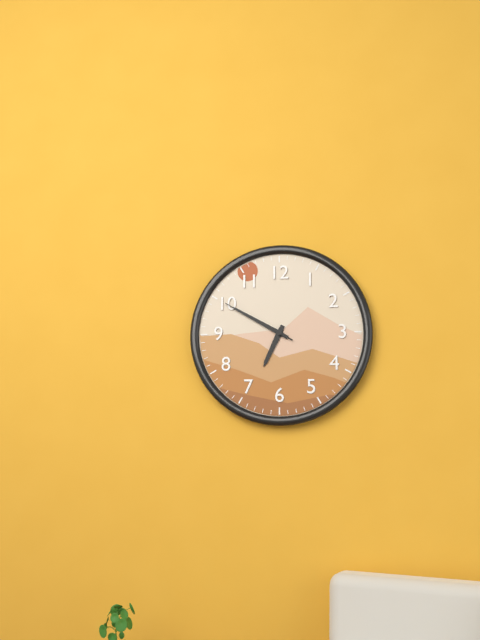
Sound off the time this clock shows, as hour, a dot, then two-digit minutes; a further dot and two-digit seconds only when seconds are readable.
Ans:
6.50.50
